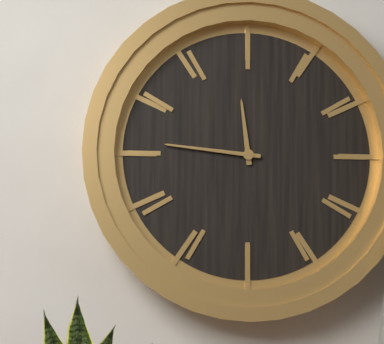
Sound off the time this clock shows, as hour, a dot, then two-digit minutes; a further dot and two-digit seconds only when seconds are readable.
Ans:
11.46
